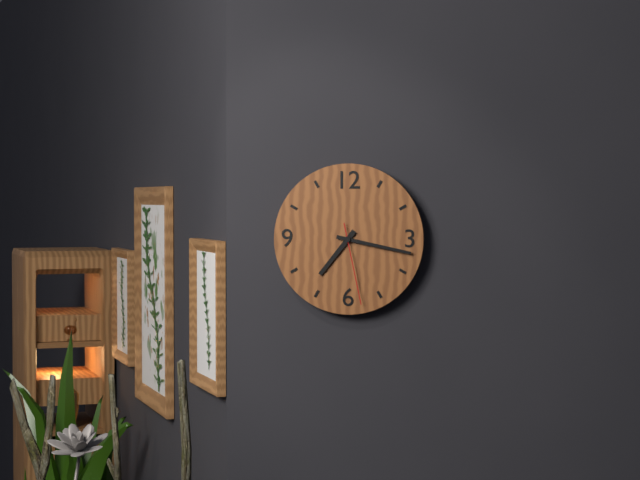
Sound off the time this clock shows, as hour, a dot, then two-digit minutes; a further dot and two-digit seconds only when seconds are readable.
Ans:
7.17.28
